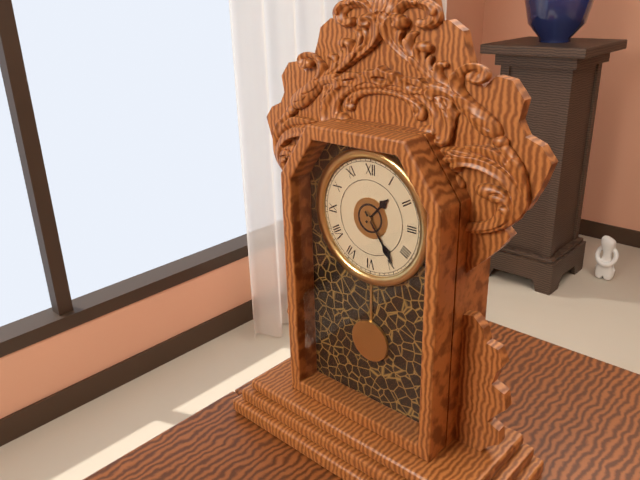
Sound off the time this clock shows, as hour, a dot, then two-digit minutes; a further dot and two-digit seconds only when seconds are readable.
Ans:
1.24
